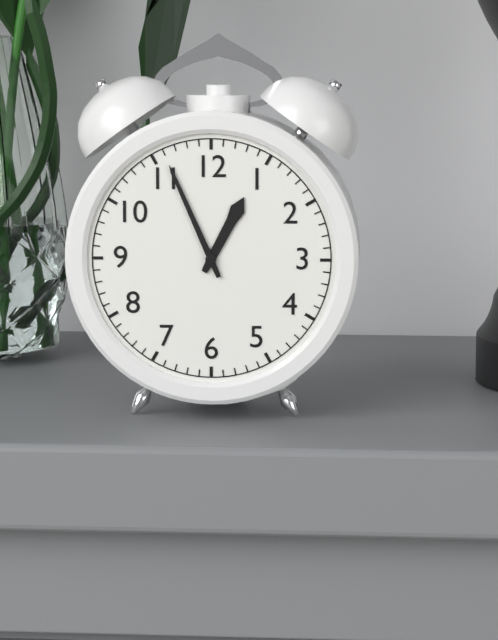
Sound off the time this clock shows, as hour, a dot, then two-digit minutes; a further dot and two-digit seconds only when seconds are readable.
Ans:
12.56
